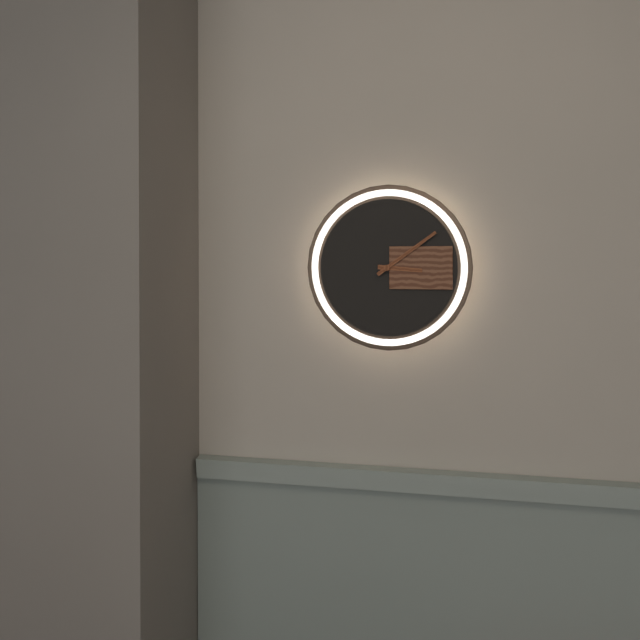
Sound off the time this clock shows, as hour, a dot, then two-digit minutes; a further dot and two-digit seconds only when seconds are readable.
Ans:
3.09
